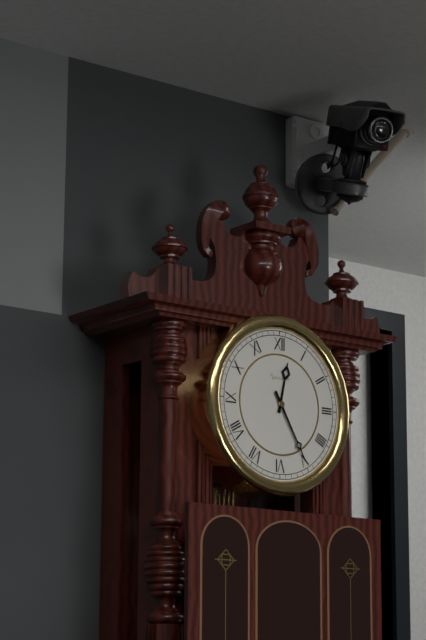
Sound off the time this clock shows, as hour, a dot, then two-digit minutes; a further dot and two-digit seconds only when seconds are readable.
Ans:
12.25
